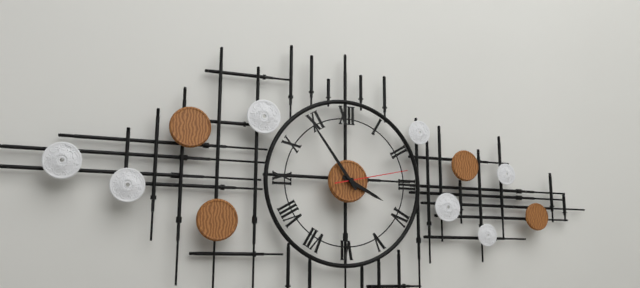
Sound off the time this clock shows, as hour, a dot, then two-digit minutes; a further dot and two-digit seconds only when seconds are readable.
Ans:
3.54.13
